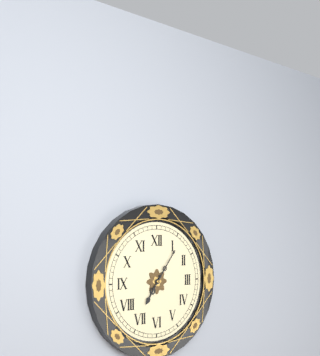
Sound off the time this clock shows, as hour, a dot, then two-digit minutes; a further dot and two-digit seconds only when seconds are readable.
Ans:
7.06
